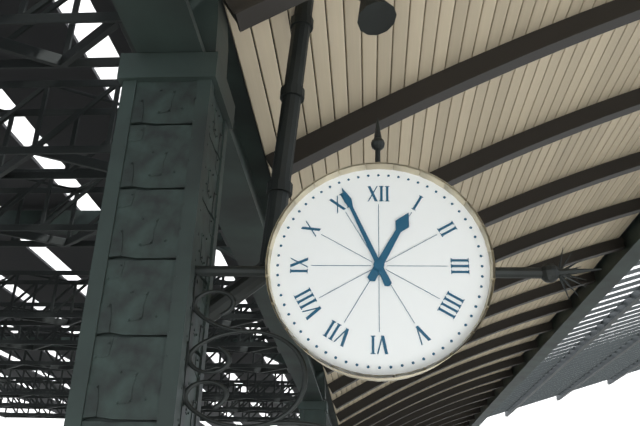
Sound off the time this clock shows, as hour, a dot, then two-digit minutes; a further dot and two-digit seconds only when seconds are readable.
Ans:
12.56
